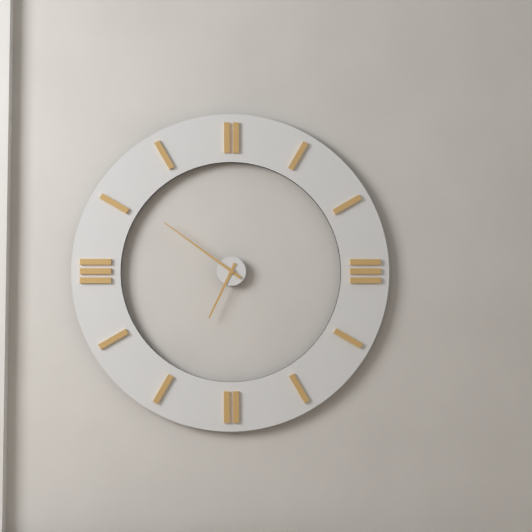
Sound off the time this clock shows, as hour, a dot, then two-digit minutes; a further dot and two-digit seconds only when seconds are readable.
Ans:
6.51
